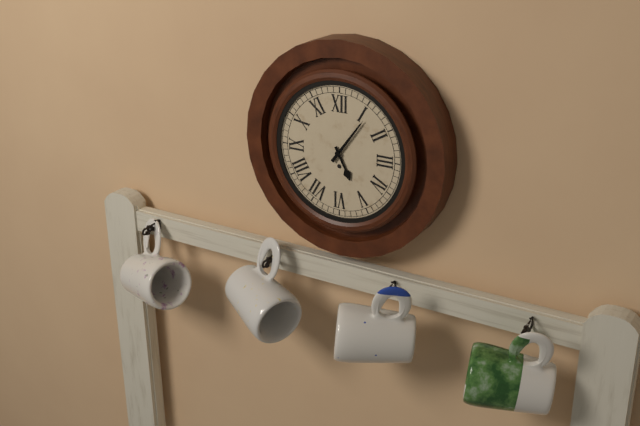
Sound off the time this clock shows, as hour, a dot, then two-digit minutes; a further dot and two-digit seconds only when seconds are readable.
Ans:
5.06
